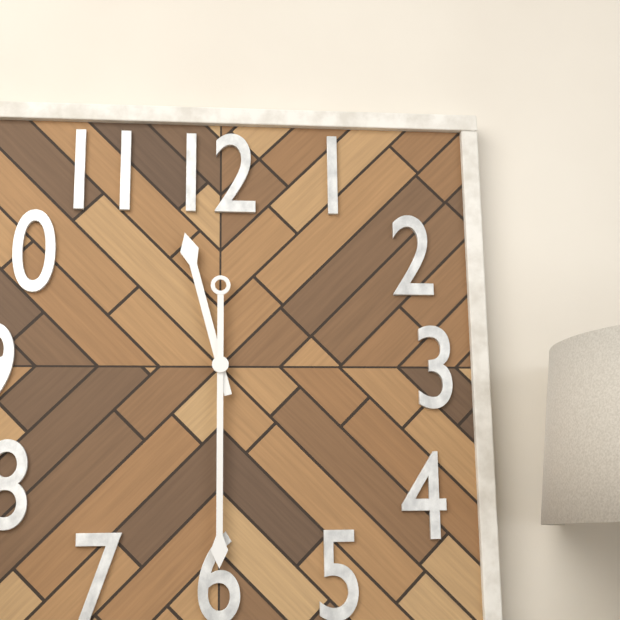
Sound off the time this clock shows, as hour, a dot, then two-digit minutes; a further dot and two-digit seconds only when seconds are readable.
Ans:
11.30
